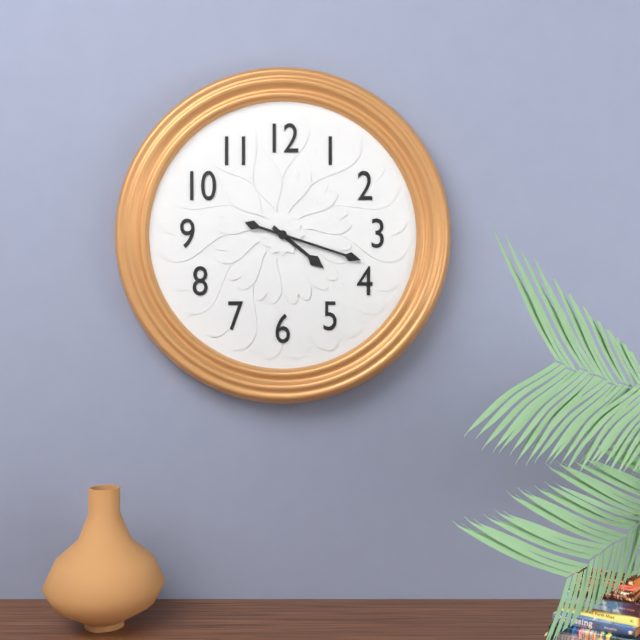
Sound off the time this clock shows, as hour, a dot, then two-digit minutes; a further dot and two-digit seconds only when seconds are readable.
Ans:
4.18
